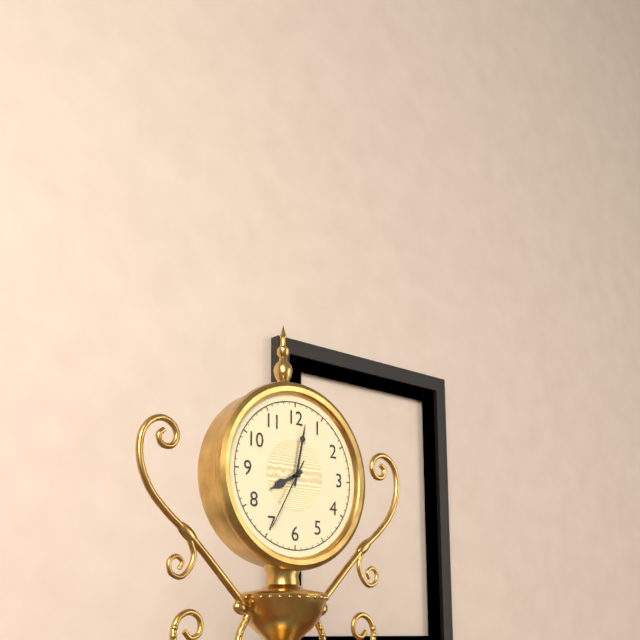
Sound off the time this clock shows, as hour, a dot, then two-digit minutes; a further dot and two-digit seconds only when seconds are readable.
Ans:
8.02.35
